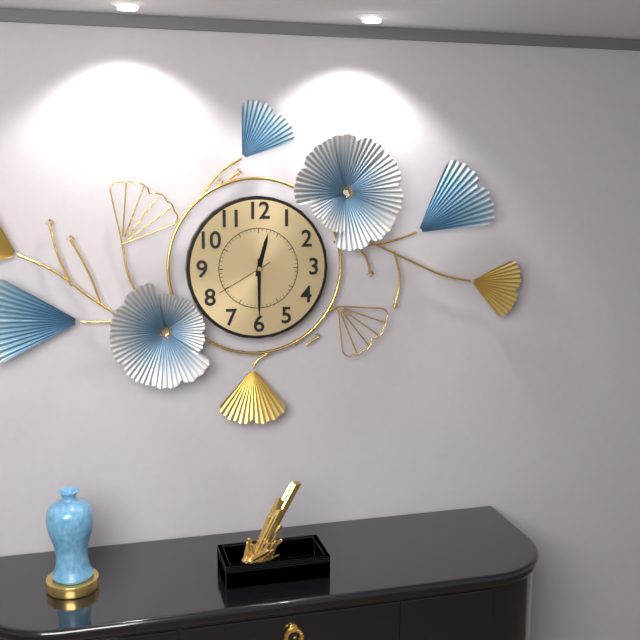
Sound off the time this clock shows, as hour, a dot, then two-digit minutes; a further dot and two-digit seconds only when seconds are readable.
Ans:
12.30.40
